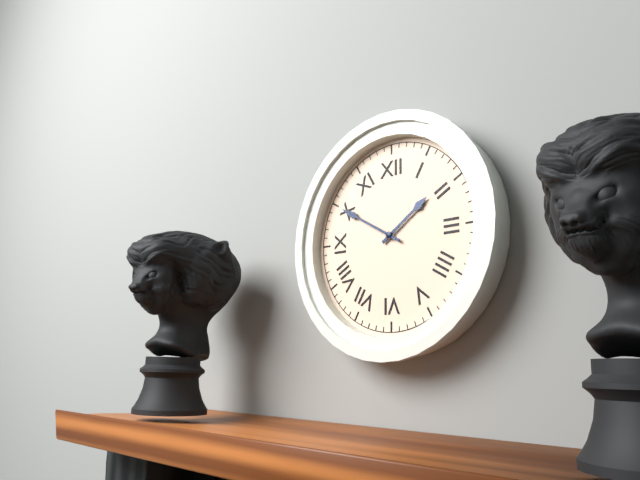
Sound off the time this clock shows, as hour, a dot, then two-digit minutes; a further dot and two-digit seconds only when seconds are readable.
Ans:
1.50
